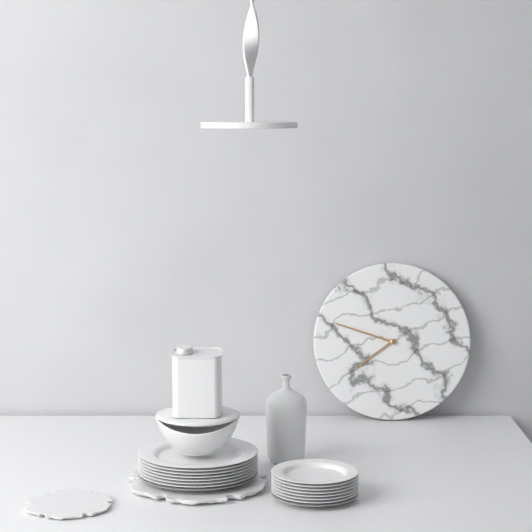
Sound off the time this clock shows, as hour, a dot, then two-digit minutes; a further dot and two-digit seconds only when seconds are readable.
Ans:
7.48
